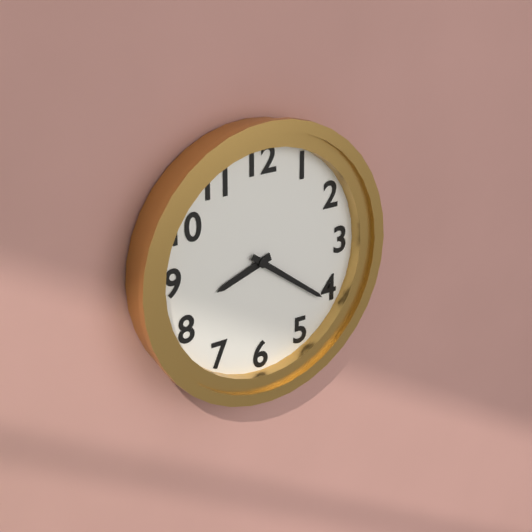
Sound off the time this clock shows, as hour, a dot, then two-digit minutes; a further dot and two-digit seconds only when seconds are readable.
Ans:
8.21
